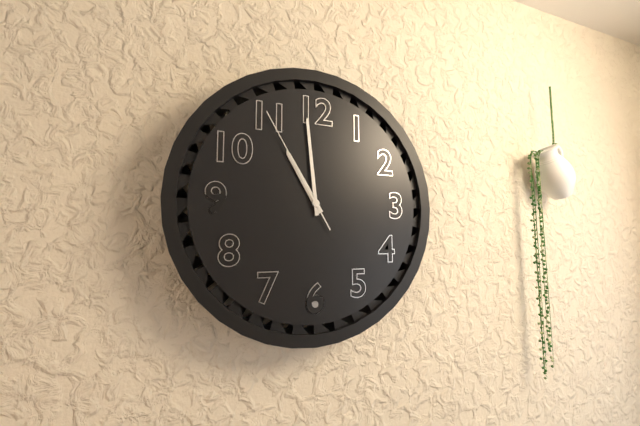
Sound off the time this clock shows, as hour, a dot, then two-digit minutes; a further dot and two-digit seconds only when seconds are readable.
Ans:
10.59.55
